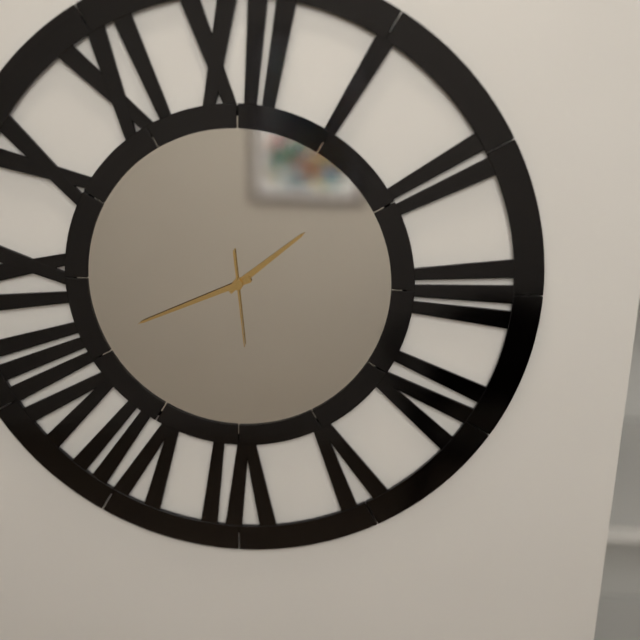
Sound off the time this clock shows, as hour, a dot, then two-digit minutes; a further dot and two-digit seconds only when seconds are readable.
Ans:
1.41.29
